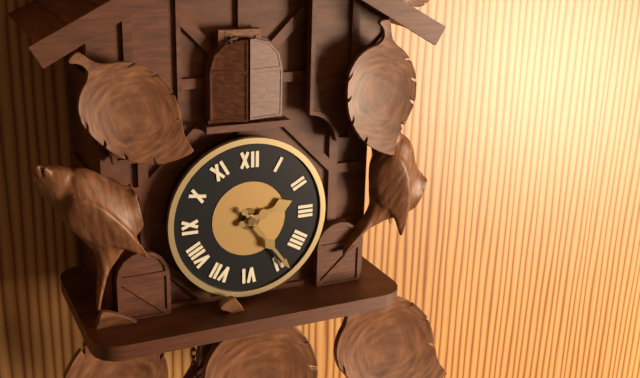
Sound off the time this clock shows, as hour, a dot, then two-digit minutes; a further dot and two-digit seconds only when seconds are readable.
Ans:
2.24
